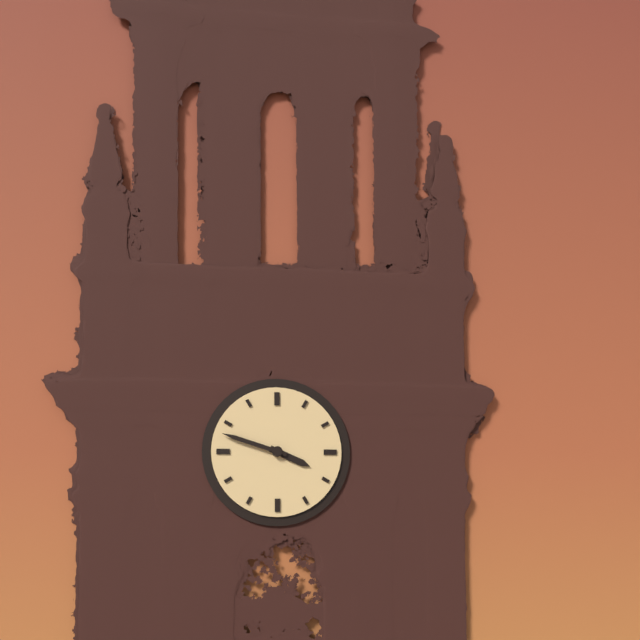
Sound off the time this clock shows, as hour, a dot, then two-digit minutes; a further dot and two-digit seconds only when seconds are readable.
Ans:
3.48
